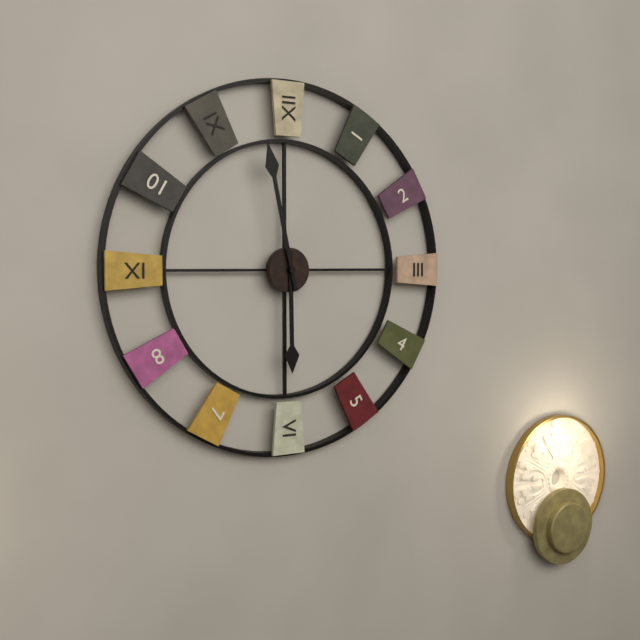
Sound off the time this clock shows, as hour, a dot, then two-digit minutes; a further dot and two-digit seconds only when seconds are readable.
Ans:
5.58
